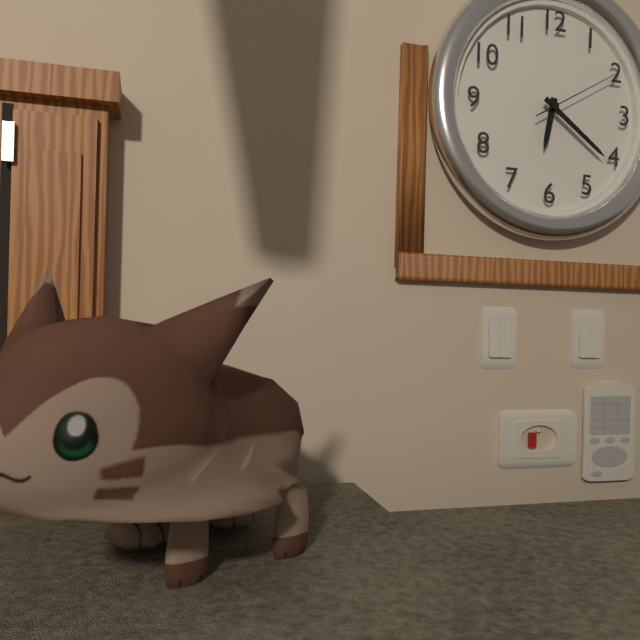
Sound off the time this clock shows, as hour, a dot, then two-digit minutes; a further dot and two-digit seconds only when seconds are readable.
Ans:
6.21.10
